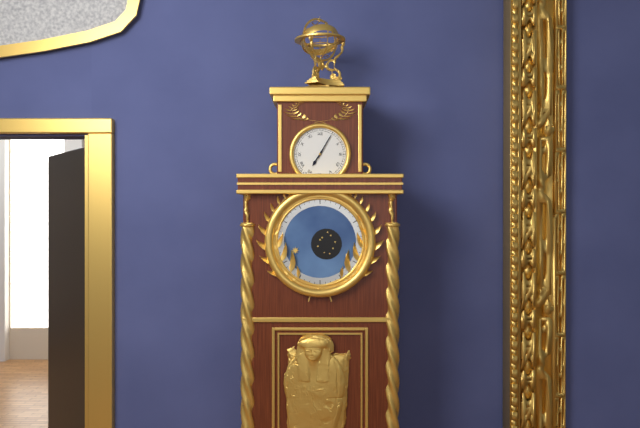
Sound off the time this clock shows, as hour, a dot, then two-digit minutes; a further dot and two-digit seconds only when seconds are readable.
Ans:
7.05
